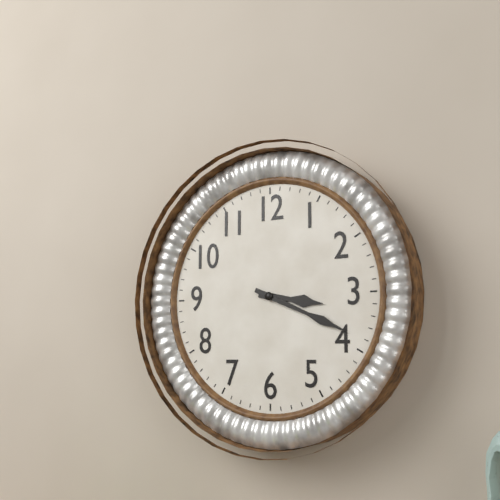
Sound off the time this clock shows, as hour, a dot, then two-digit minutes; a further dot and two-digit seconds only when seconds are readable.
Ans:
3.19
